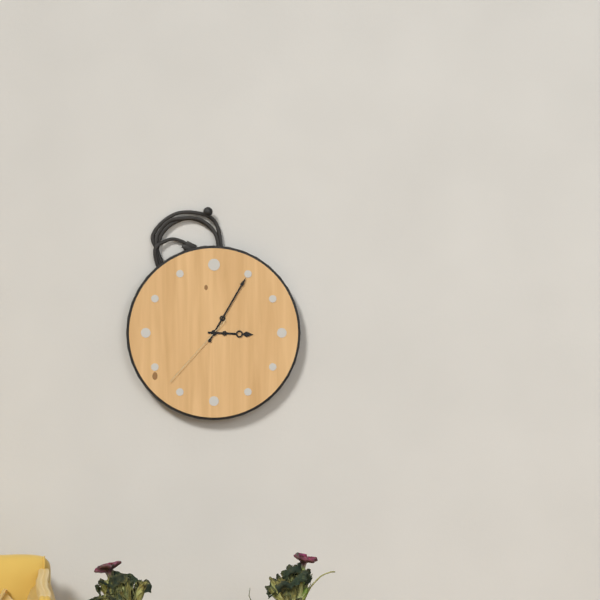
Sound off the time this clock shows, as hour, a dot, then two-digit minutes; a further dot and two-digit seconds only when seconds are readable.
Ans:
3.05.37
